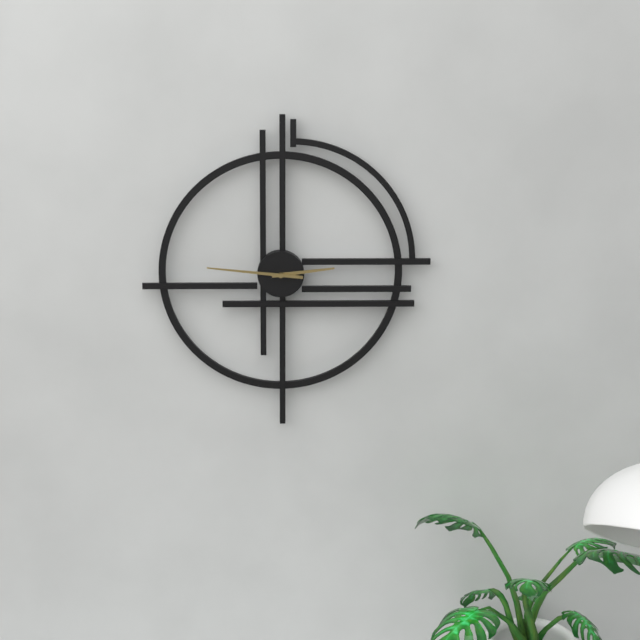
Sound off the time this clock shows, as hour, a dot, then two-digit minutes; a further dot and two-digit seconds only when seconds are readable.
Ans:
2.46
